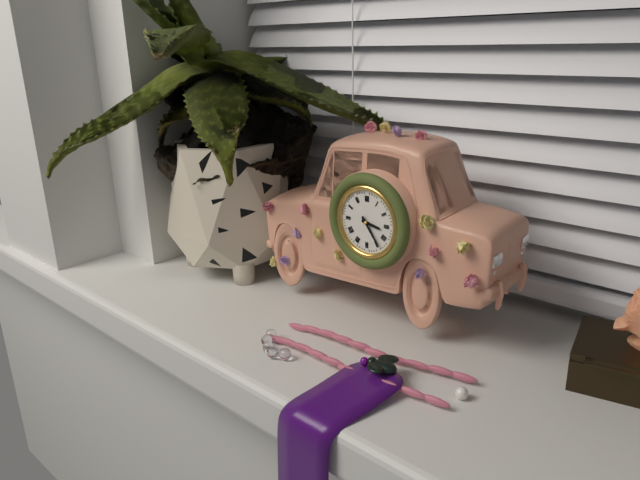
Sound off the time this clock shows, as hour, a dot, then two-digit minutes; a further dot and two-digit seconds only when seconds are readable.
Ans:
3.24
